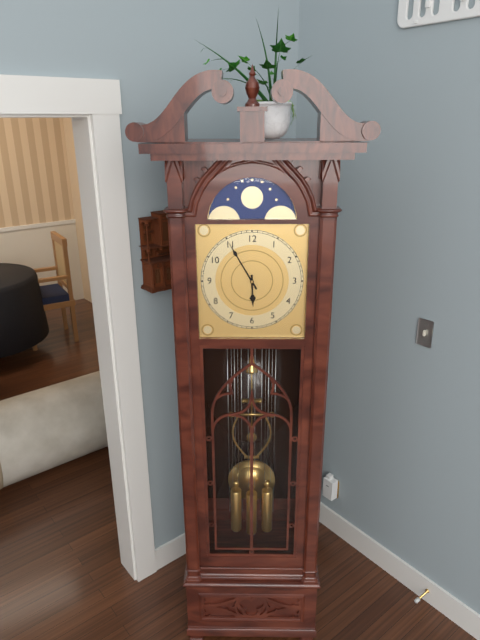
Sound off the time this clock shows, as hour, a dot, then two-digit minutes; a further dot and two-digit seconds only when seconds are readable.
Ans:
5.55
